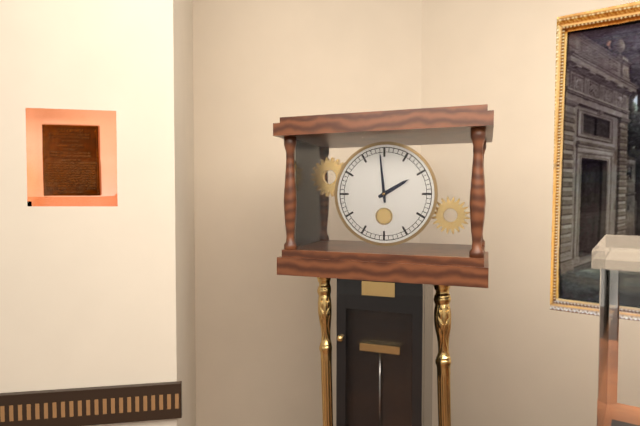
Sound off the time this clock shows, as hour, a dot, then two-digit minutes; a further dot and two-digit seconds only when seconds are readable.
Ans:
1.59
